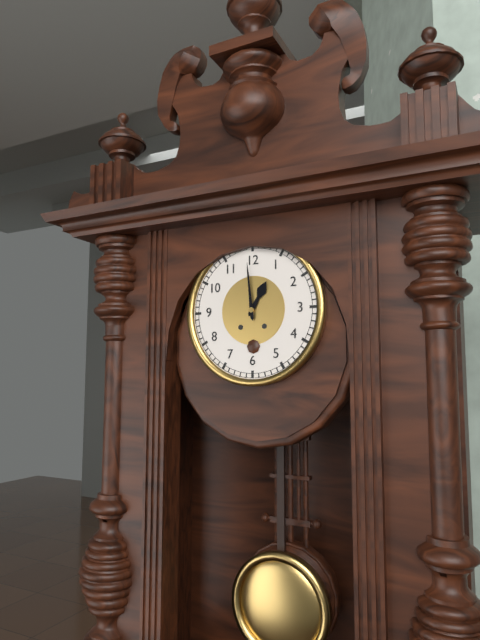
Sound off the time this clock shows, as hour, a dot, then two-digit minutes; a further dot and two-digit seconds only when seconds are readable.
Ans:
12.59
